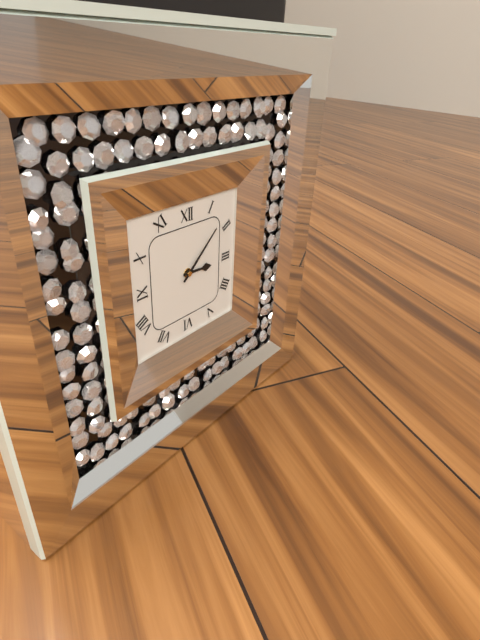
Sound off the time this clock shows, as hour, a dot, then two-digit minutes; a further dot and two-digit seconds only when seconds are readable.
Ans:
3.08
